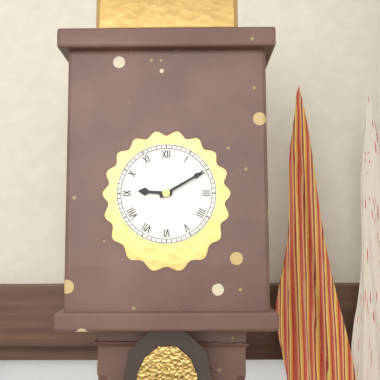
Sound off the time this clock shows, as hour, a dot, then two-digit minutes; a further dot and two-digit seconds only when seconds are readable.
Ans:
9.10
